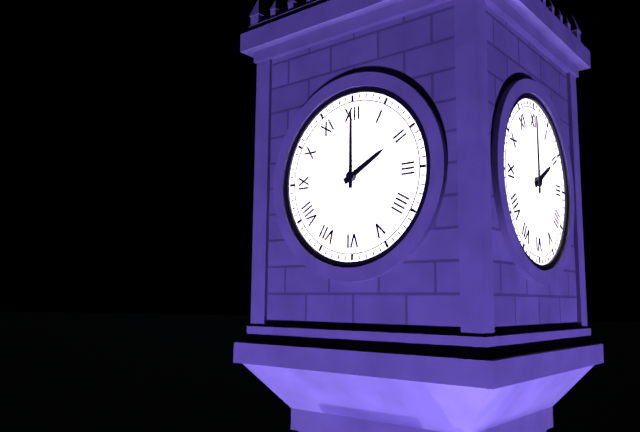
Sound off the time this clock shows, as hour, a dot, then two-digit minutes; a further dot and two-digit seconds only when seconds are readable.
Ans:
2.00
